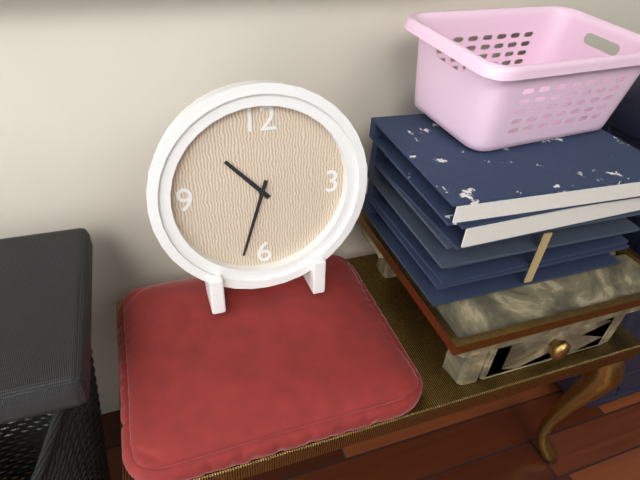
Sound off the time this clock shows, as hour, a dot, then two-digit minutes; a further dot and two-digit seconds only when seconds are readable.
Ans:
10.33
